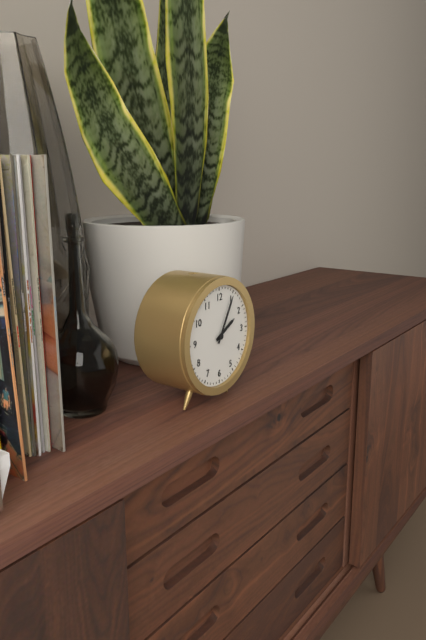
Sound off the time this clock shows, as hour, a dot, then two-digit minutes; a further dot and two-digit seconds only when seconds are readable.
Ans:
2.05
